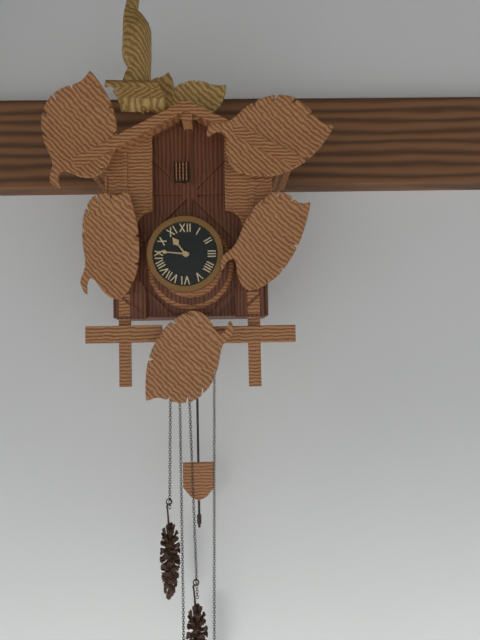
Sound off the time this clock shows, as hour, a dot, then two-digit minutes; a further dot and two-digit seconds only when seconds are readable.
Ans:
10.46
